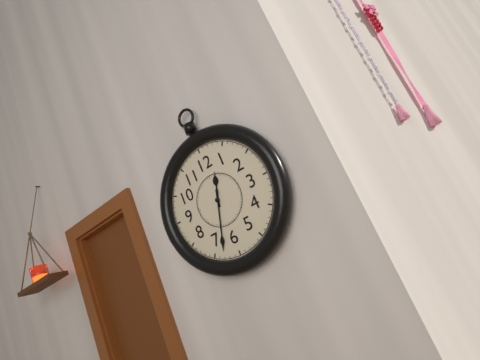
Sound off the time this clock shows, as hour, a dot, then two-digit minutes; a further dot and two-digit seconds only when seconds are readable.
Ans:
12.33
